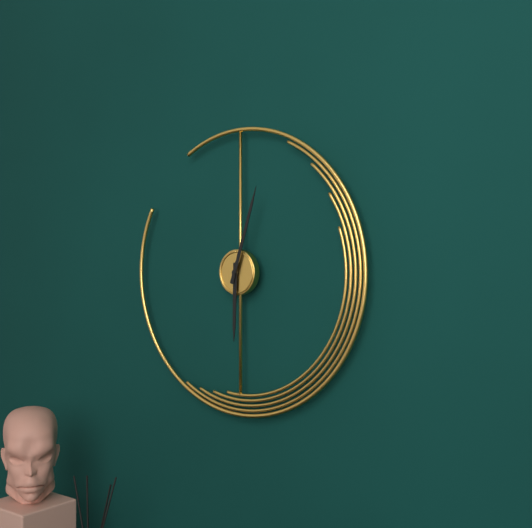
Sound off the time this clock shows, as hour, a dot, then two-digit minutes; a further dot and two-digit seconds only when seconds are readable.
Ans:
6.03
